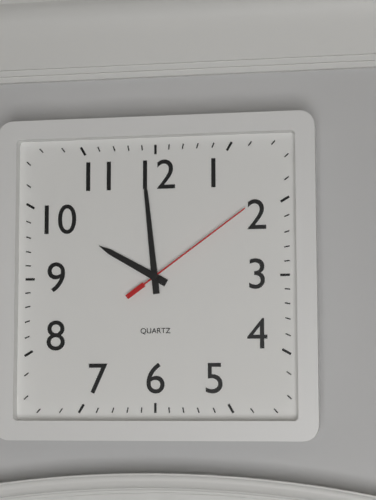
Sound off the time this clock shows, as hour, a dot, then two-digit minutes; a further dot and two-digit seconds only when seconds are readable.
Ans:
9.59.09
